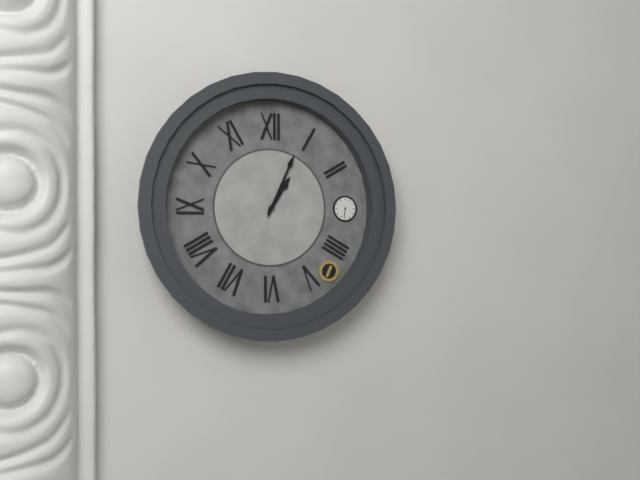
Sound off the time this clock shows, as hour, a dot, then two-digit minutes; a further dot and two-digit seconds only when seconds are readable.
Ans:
1.04
